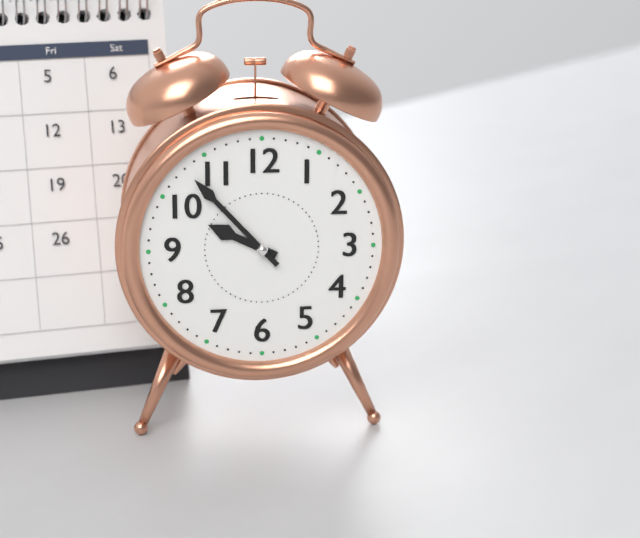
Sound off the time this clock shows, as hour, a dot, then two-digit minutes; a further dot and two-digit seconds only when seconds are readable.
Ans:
9.53
